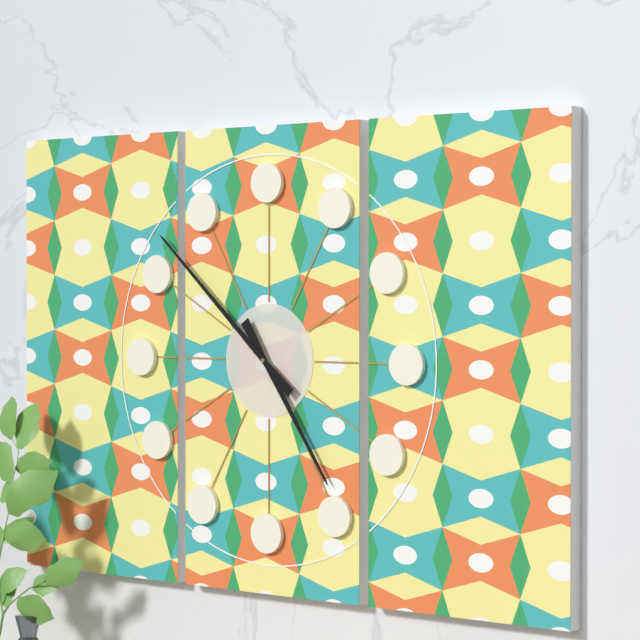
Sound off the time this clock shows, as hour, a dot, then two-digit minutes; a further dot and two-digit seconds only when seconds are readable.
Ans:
4.52
